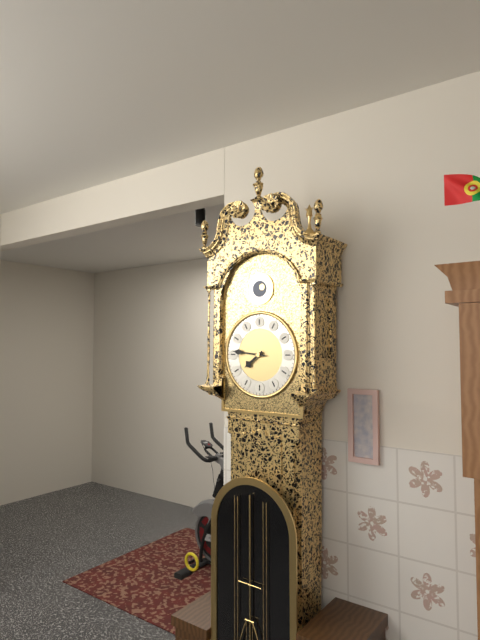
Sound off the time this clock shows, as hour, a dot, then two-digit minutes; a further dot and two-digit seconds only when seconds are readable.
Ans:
7.46
